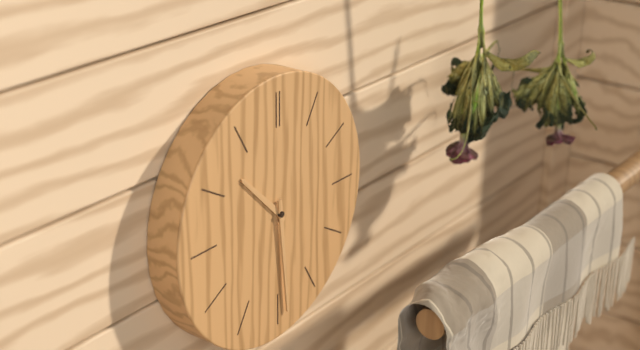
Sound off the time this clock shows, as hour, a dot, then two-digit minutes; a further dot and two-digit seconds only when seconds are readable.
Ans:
10.29
